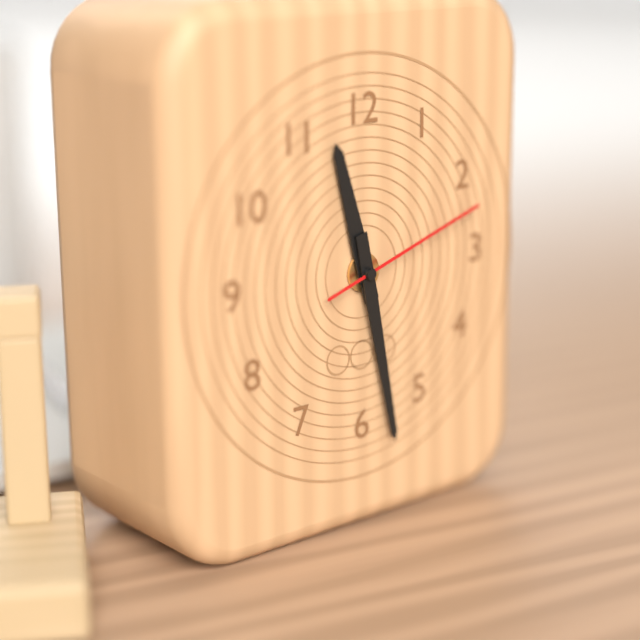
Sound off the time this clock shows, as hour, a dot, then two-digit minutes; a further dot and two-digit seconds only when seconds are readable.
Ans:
11.28.12
